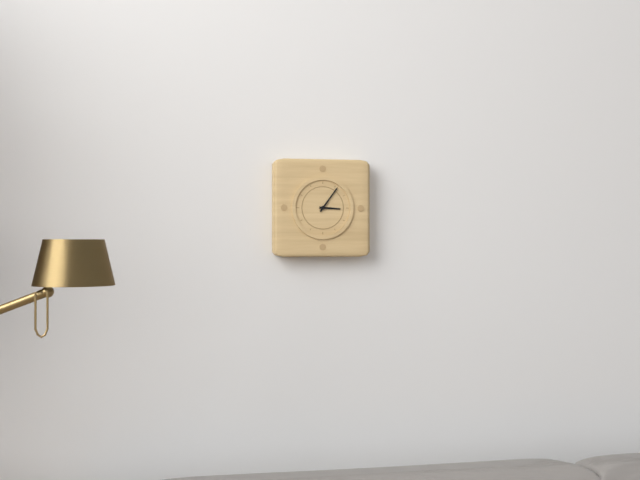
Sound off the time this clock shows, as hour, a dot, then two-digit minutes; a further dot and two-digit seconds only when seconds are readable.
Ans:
3.06
